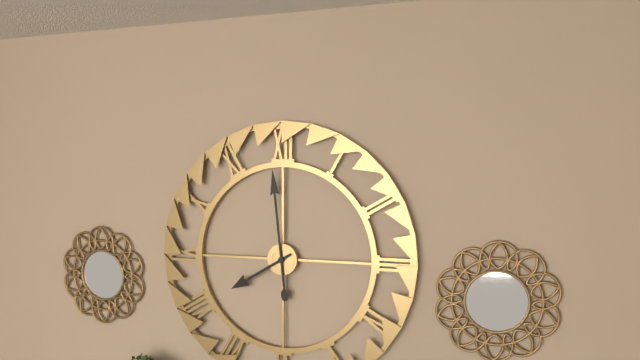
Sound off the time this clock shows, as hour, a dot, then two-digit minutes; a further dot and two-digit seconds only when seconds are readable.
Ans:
7.59
